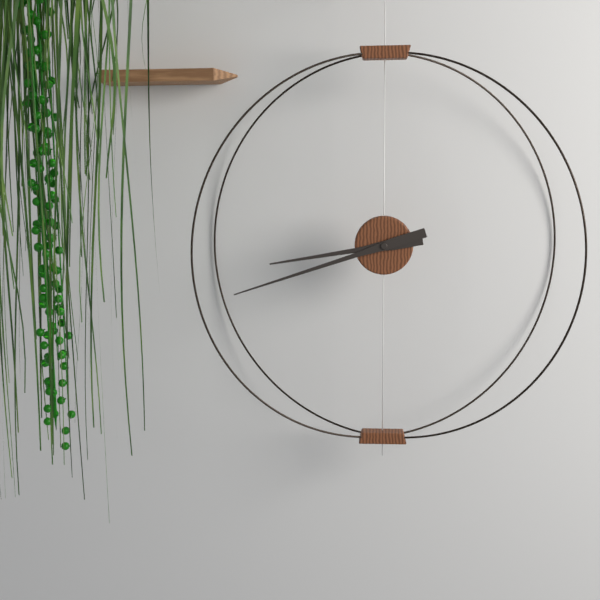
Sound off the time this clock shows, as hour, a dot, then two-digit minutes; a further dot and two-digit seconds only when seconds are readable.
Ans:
8.42
